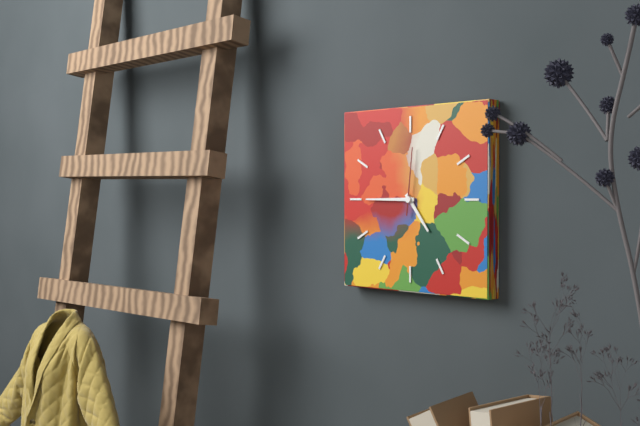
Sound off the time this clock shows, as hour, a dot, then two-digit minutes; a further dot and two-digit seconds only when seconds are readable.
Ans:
4.45.01
